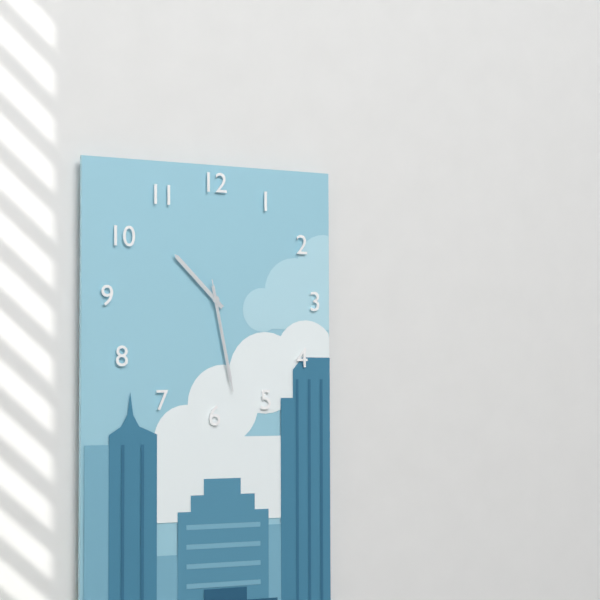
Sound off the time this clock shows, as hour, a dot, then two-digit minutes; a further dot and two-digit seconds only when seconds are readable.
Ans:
10.28.28
